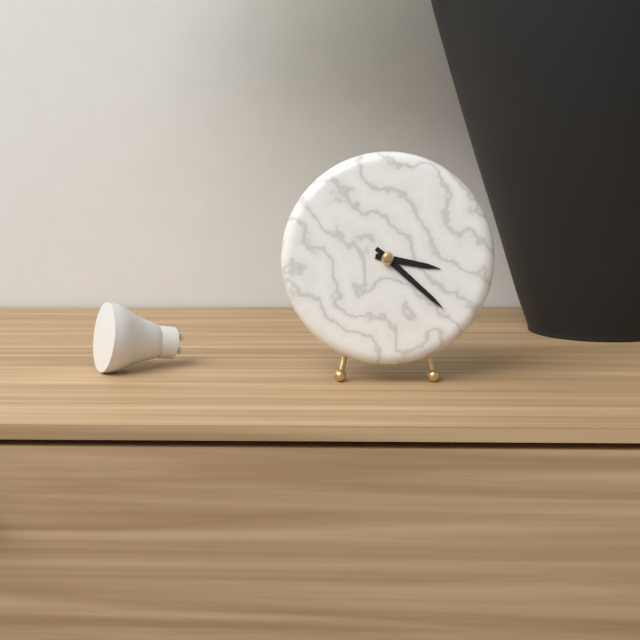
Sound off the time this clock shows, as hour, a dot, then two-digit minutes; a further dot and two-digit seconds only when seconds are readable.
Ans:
3.22
